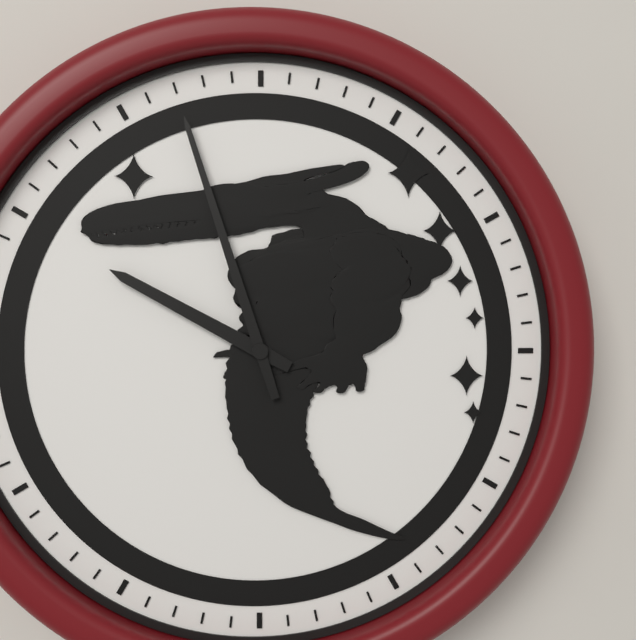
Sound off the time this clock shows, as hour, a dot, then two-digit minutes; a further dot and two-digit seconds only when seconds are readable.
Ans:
9.57
